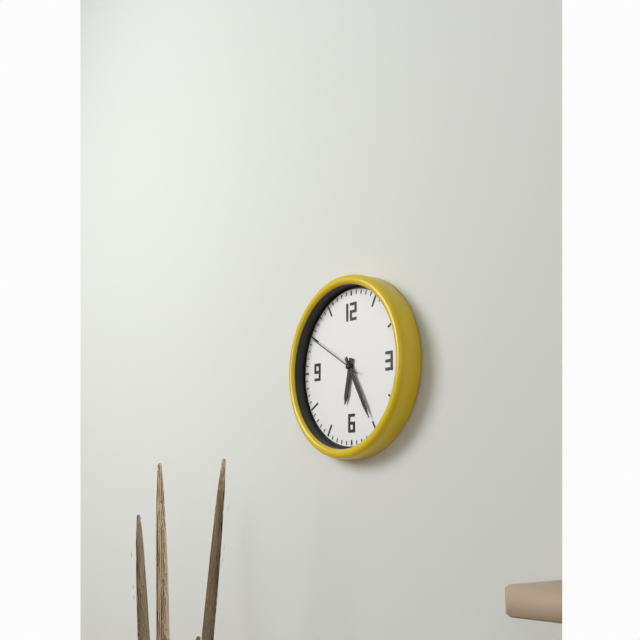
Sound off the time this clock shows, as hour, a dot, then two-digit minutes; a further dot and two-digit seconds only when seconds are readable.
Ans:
6.25.50
